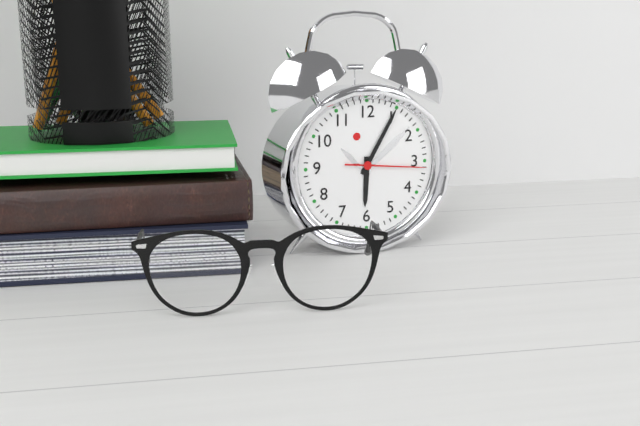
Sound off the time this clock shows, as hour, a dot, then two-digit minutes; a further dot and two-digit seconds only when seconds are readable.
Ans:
6.05.16
